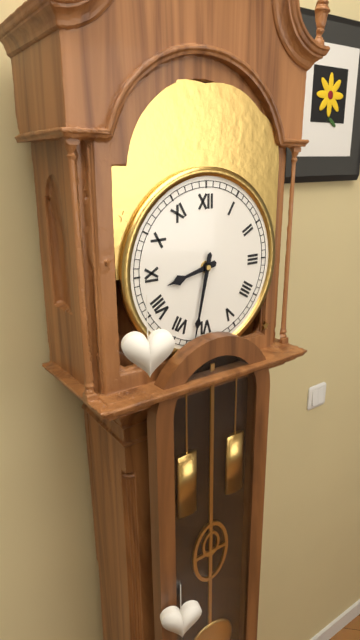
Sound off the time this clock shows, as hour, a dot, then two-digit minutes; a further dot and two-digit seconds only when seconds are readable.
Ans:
8.32
